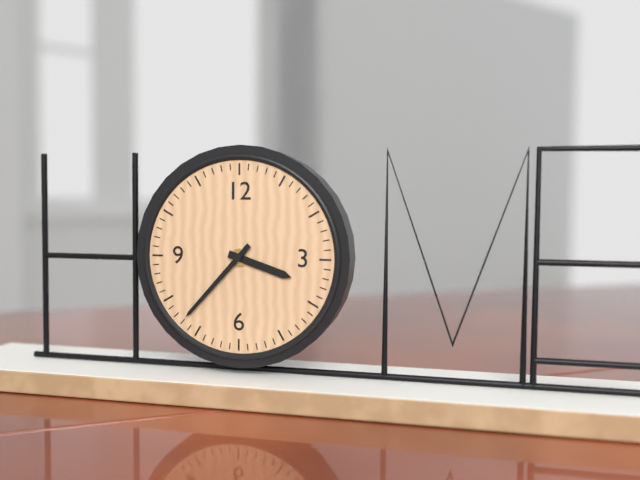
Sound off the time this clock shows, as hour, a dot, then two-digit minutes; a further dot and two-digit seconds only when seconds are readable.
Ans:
3.37
